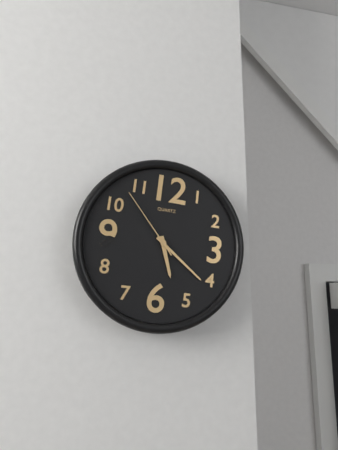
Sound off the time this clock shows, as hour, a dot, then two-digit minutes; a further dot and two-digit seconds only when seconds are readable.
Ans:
5.21.53
